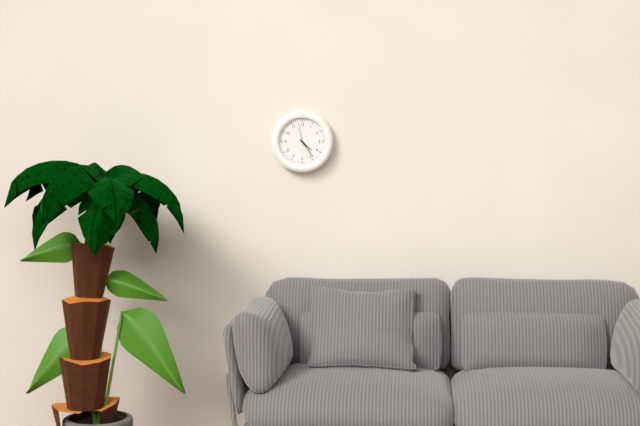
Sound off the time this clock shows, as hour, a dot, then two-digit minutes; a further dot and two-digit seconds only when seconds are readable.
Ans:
4.24
